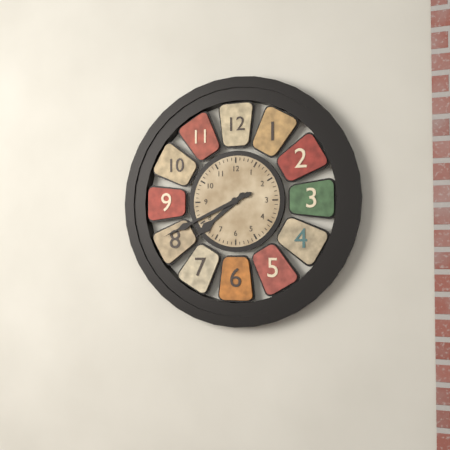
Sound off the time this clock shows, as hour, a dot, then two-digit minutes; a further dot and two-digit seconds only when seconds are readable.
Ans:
7.41
